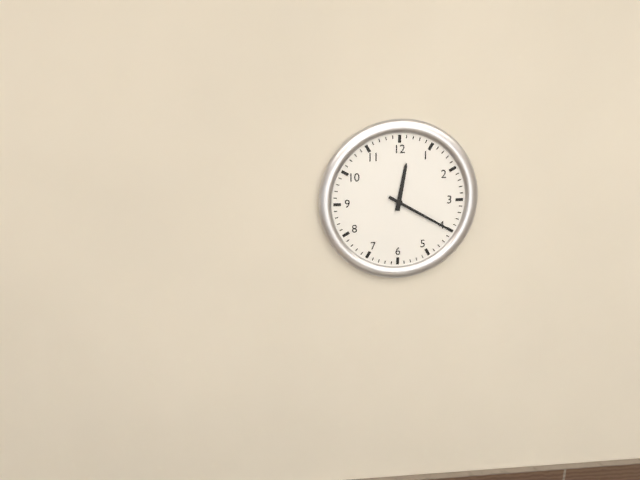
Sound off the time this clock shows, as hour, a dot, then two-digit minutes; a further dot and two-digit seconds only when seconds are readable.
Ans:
12.20
